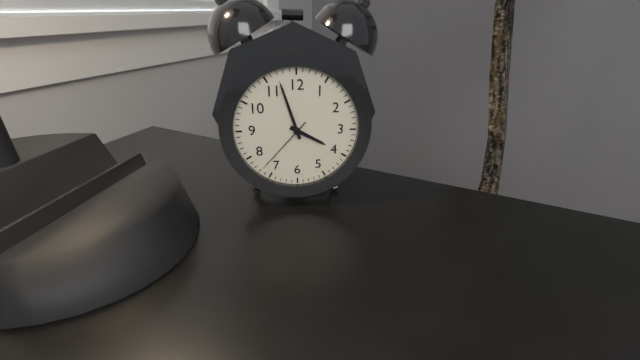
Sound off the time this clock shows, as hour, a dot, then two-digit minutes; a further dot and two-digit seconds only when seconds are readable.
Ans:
3.57.37
